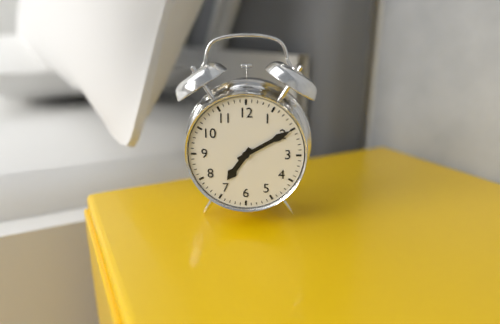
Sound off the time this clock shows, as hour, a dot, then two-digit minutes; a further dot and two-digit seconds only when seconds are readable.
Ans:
7.10
